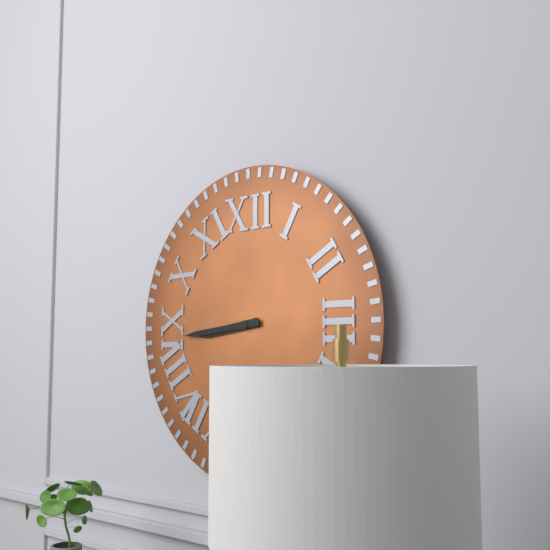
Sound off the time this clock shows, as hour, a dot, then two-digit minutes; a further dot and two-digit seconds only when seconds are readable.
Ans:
8.44
